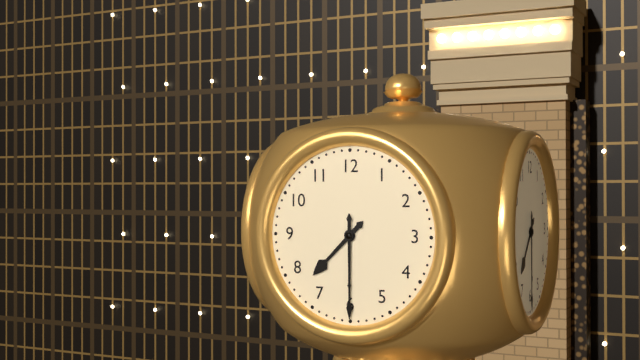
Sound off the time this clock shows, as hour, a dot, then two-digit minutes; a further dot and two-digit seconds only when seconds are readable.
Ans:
7.30
